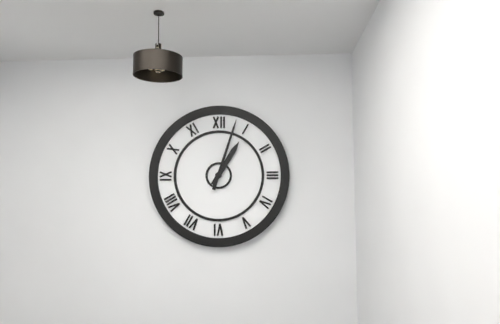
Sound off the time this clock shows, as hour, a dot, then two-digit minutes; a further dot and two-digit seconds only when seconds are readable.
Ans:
1.03
